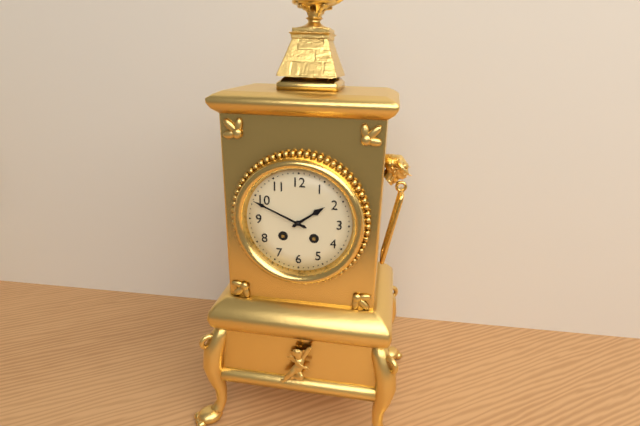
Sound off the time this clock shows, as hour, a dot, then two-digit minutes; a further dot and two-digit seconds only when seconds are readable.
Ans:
1.49
